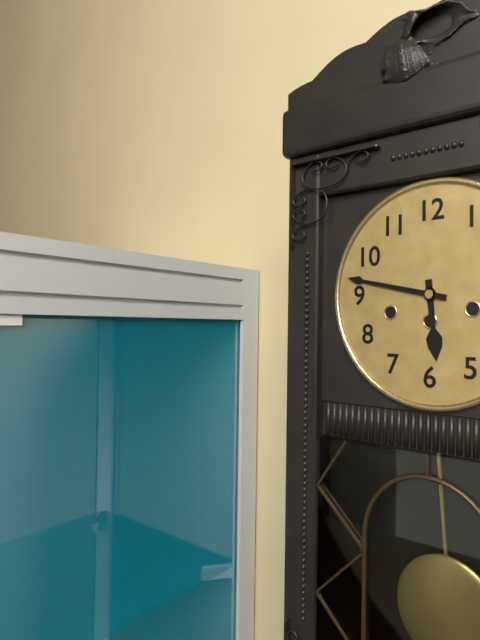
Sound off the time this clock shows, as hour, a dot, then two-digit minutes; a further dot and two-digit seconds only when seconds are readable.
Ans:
5.47
